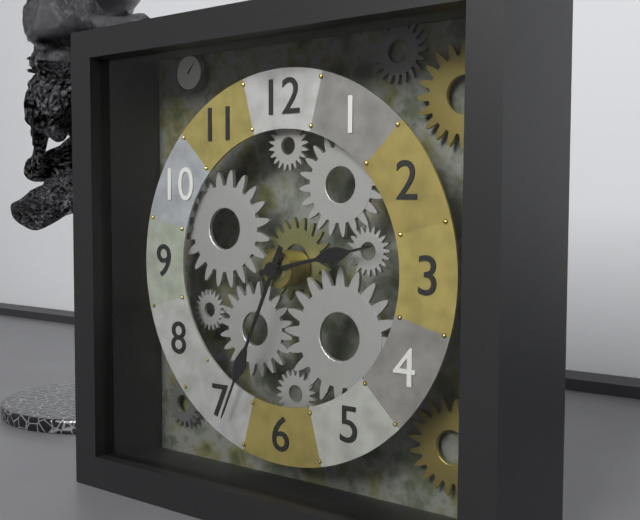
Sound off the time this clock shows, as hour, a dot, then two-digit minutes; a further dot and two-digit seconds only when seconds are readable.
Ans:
2.34
